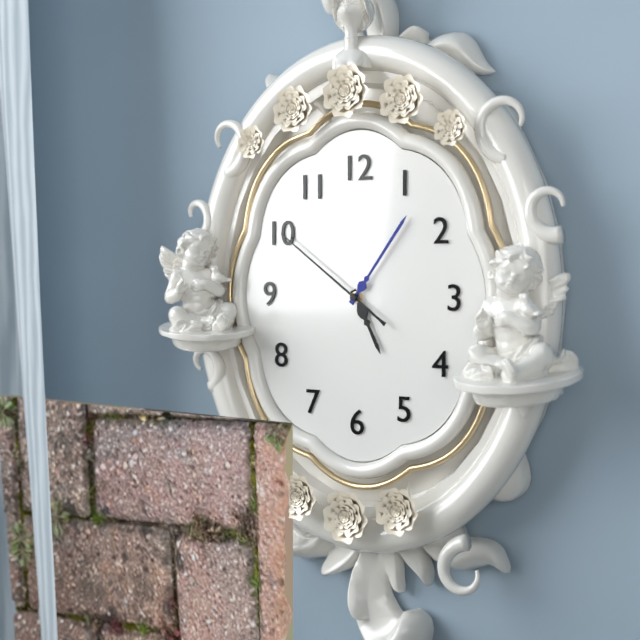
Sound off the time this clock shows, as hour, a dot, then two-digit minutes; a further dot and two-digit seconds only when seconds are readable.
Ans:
5.06.51
